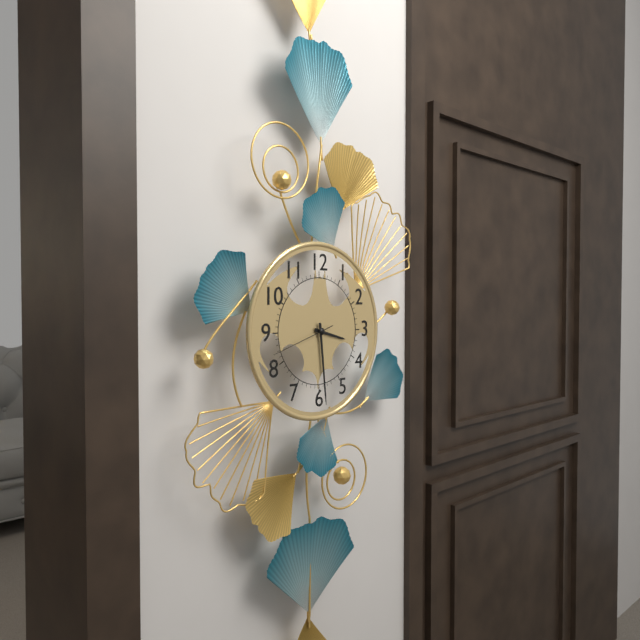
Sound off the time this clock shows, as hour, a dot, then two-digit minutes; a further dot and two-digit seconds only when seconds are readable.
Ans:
3.29.42
